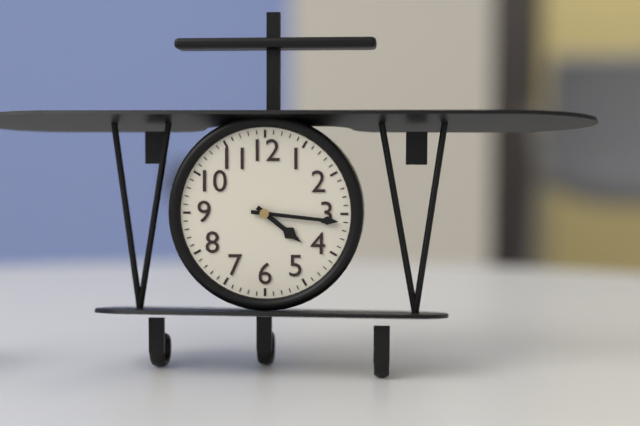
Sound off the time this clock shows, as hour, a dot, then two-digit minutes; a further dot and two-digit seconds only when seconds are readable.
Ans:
4.16
